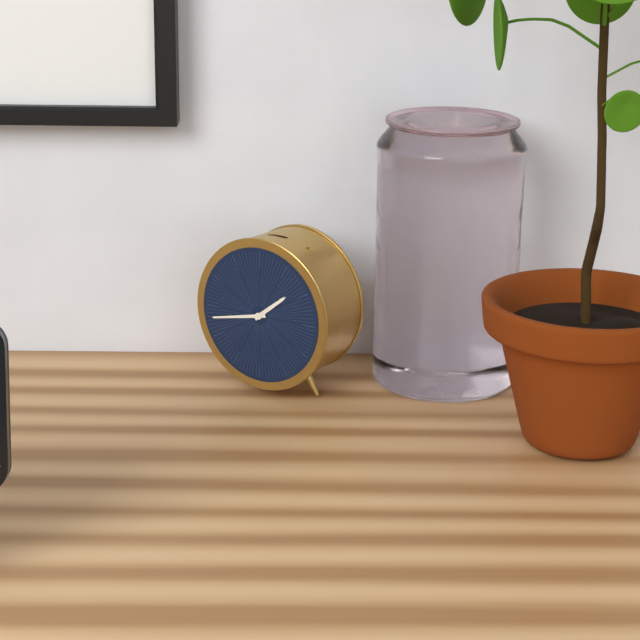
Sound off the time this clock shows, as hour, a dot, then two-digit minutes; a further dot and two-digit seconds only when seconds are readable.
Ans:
1.43
